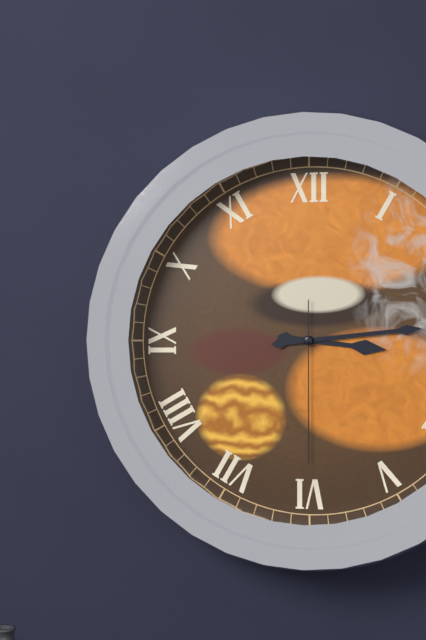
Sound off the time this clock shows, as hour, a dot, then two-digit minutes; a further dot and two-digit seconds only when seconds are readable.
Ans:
3.14.30
